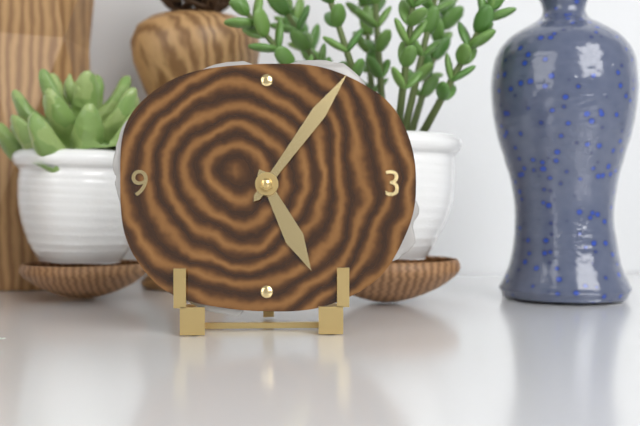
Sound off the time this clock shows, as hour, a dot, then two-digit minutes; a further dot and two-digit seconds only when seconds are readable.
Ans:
5.06
